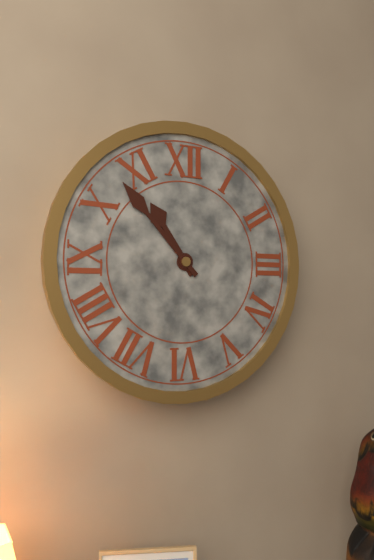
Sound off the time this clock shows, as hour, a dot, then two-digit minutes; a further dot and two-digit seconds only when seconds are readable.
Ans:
10.53
